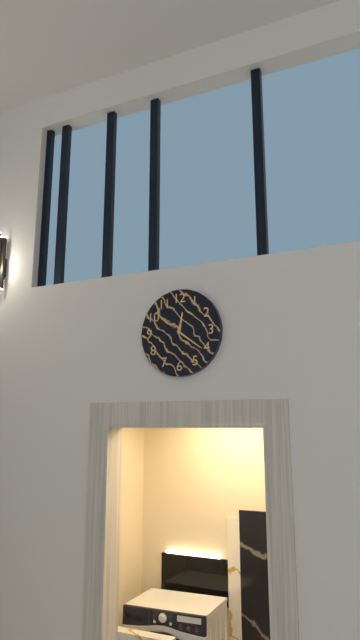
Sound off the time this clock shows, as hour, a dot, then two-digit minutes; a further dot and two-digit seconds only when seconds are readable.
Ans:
12.21
